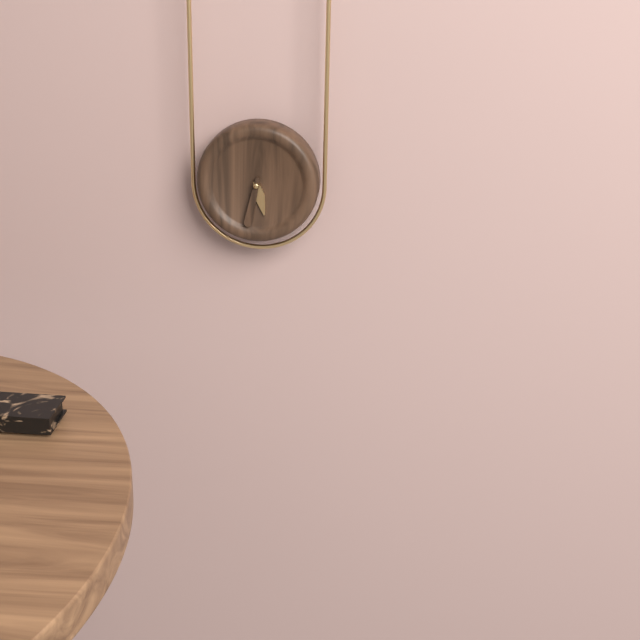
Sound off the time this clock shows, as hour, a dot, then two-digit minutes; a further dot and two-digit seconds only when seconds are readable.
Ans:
5.32
